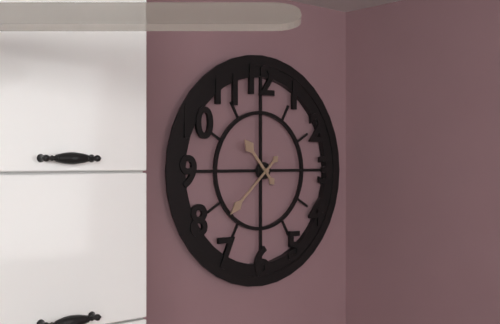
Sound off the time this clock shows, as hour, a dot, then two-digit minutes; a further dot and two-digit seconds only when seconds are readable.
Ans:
10.38
